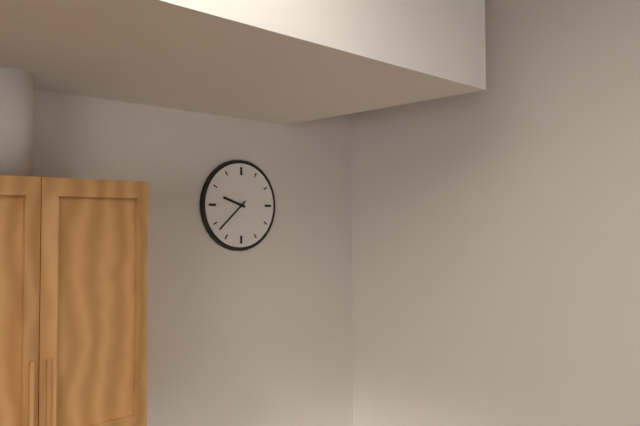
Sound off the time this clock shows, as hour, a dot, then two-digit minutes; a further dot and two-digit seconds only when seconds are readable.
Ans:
9.38
